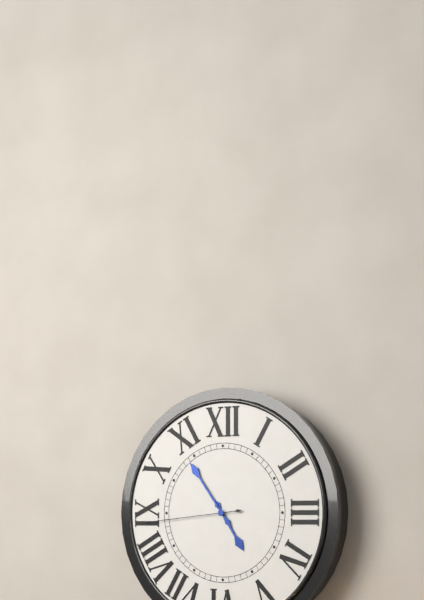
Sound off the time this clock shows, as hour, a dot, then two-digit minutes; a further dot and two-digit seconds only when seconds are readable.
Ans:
4.54.44
